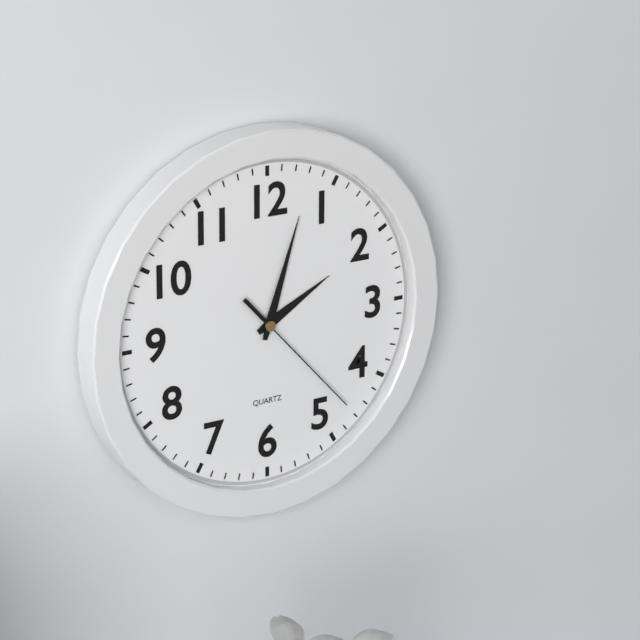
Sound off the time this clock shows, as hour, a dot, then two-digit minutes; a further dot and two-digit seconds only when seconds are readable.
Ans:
2.03.23
